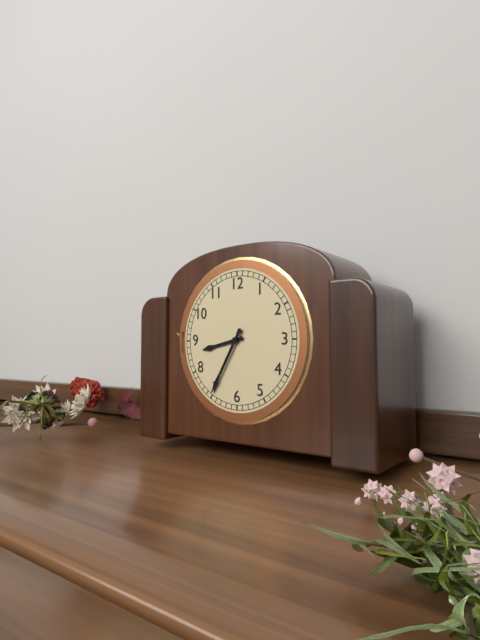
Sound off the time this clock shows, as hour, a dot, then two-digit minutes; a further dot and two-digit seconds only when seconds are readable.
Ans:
8.35
